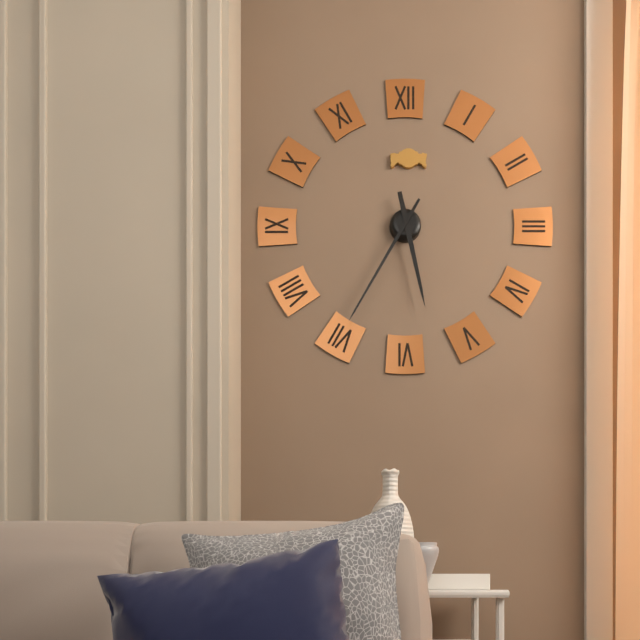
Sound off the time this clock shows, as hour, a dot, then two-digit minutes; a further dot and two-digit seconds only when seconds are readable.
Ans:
5.35
